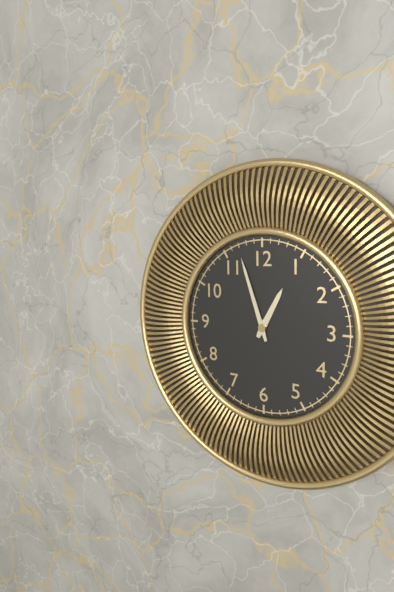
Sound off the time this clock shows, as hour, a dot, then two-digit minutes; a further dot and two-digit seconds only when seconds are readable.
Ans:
12.57
